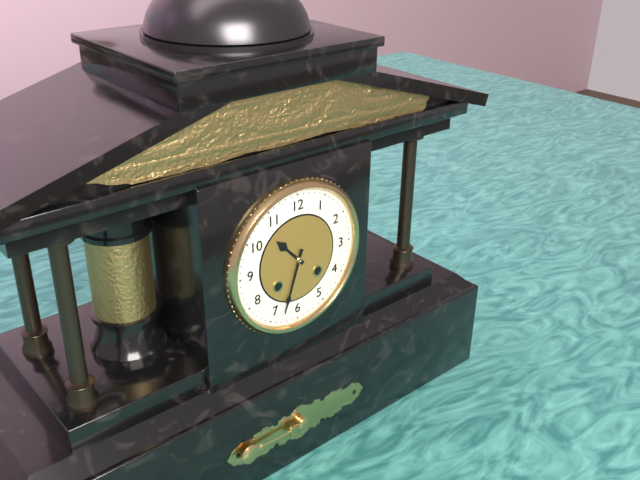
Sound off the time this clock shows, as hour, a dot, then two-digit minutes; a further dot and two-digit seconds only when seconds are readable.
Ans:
10.33
